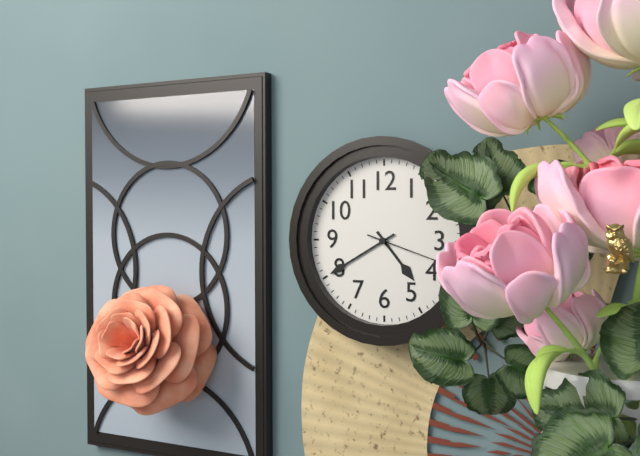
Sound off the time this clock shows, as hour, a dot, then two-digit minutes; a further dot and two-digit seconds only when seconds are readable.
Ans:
4.40.18
